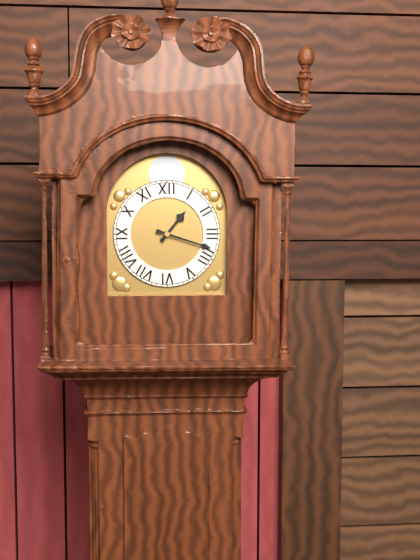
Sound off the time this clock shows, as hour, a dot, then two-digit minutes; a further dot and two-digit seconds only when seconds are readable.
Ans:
1.18
